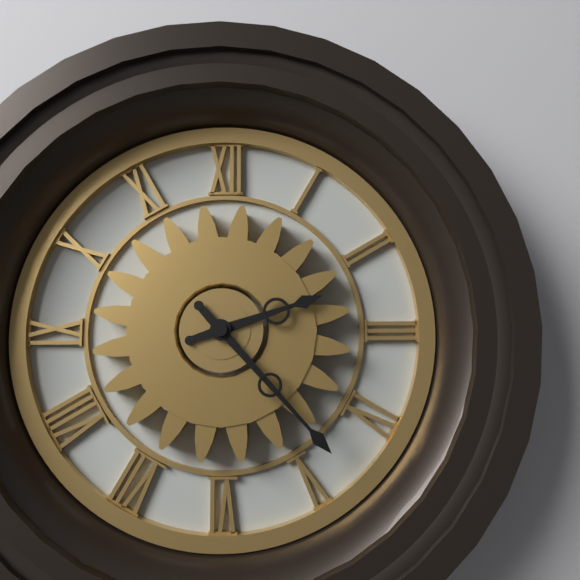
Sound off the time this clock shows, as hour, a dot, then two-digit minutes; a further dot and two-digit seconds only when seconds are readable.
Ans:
2.23
